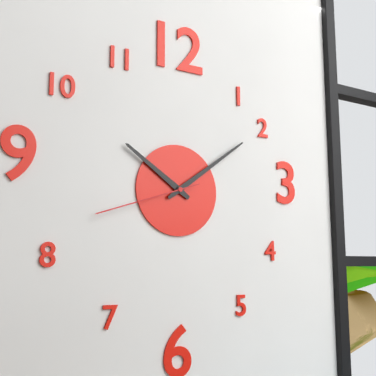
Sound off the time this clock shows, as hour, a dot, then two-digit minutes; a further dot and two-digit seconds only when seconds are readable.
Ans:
10.09.42
